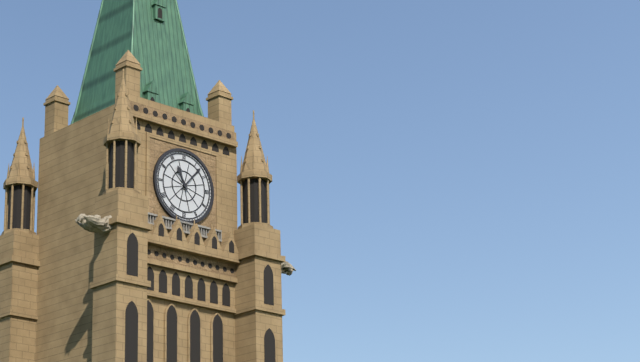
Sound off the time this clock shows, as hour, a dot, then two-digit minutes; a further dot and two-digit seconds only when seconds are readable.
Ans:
11.07
